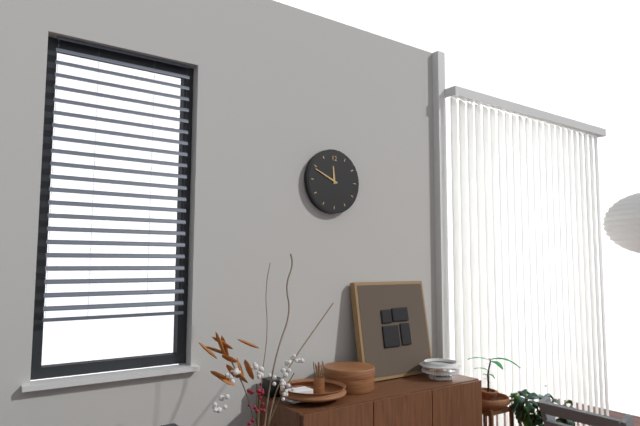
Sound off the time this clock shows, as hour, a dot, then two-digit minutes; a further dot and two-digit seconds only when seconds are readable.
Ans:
11.49
